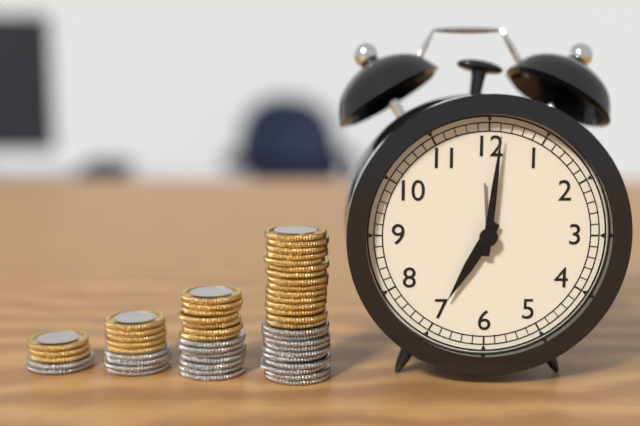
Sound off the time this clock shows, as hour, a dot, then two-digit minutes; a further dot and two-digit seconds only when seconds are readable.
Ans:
7.01
